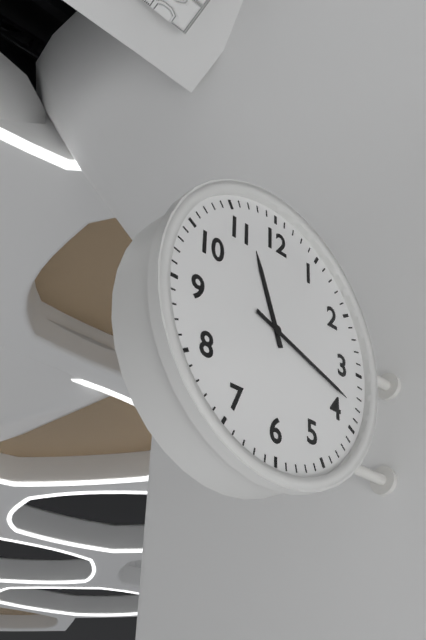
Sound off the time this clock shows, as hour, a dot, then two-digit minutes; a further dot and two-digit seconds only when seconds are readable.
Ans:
11.18
